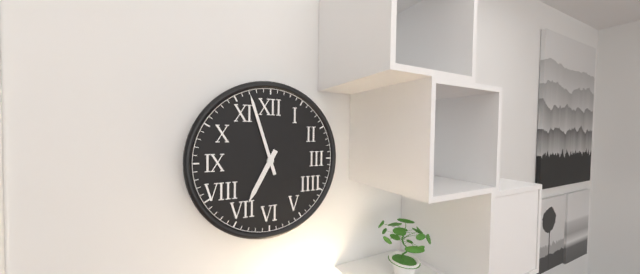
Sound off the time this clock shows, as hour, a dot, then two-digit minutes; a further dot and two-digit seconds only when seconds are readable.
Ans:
6.57
